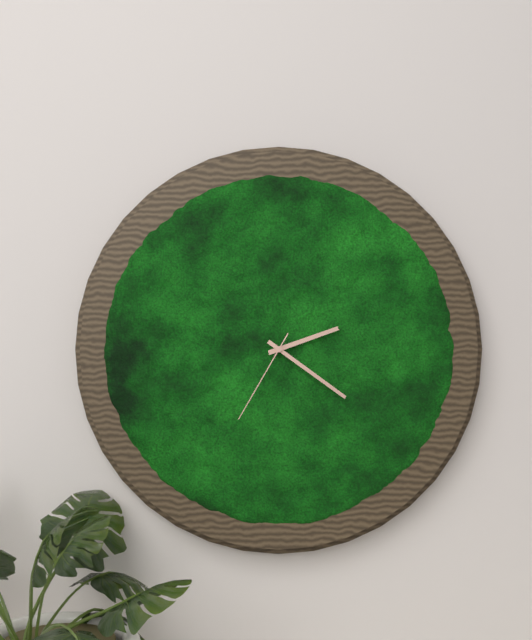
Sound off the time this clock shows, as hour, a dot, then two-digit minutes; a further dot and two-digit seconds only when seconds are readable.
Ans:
2.21.35
